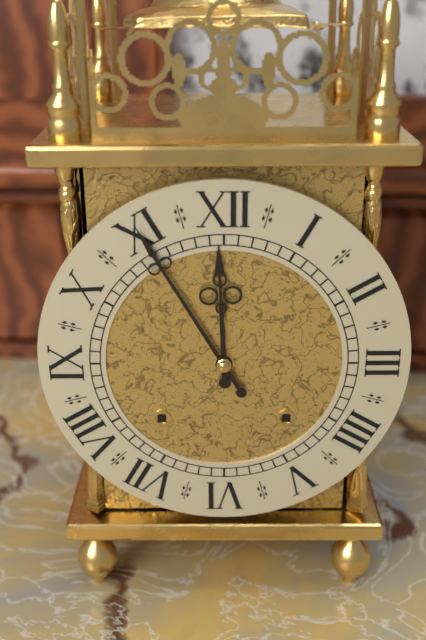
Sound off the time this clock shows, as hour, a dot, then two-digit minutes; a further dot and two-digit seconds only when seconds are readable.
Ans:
11.55
